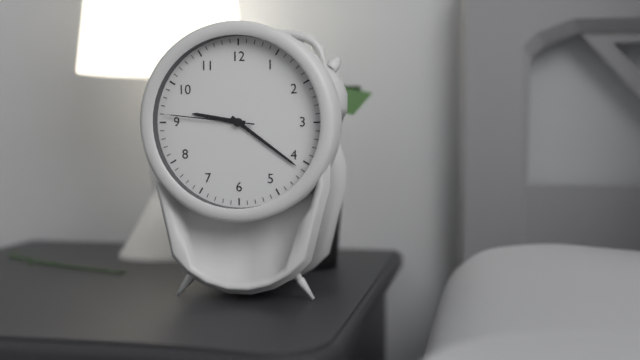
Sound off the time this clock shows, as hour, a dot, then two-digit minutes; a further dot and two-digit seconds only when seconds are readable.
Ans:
9.21.46
